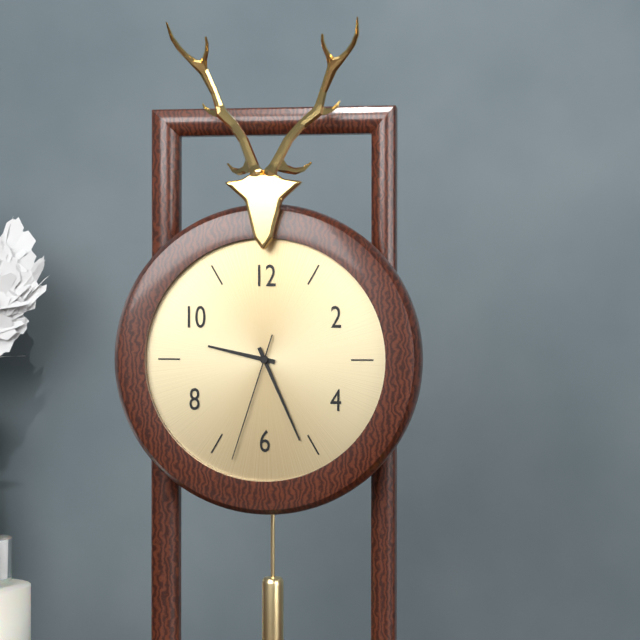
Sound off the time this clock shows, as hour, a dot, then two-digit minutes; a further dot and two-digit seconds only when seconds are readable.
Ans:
9.26.33
